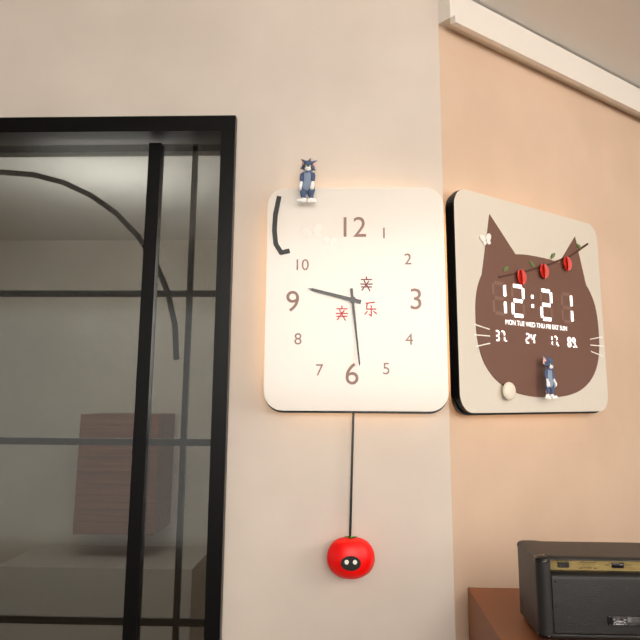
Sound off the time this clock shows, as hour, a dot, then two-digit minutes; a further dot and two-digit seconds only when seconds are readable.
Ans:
9.29
